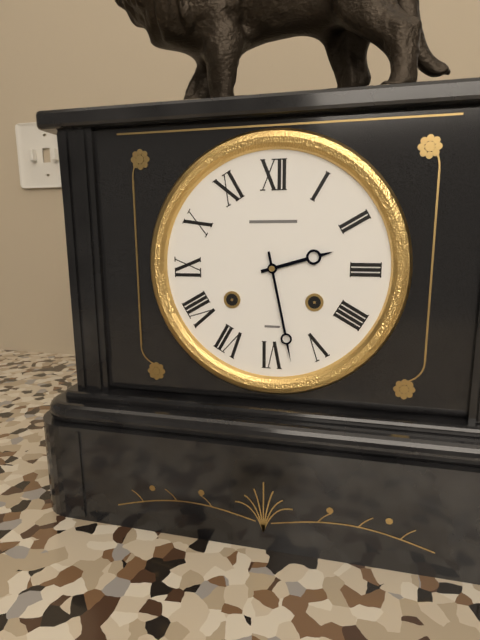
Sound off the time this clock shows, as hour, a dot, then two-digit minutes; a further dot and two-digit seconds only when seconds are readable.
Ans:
2.28
